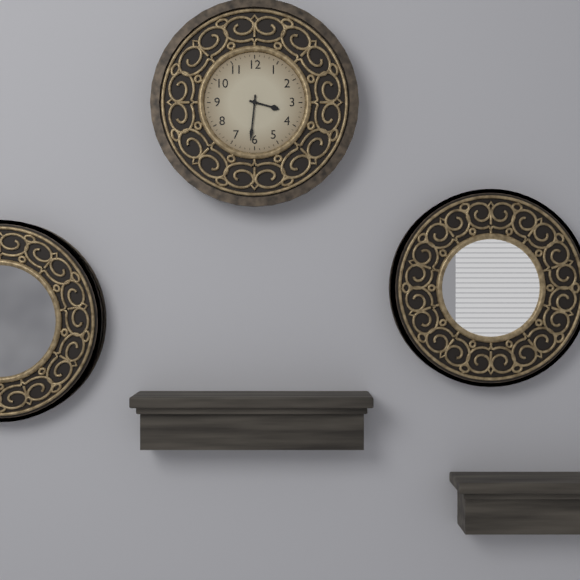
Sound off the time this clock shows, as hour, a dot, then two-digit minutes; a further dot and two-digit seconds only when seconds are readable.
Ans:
3.31
